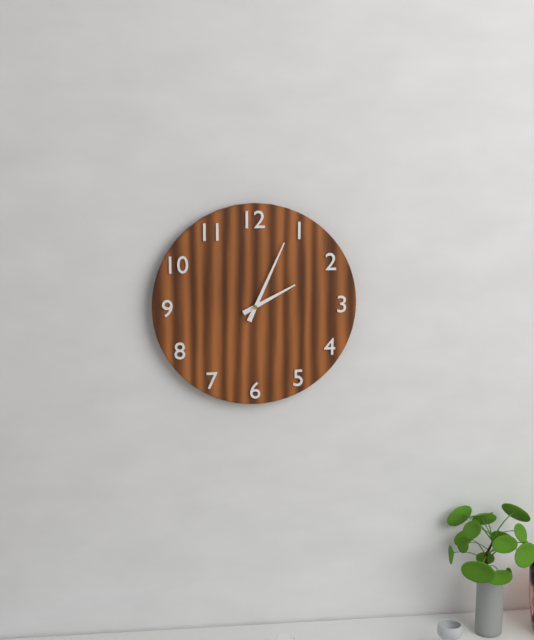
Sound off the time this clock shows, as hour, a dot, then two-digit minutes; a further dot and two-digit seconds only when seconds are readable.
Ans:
2.04
